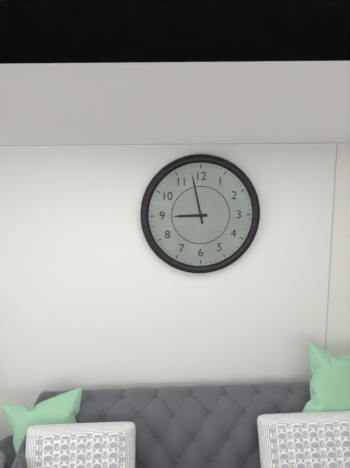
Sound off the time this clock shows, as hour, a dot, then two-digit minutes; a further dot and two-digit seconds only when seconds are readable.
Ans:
8.58
